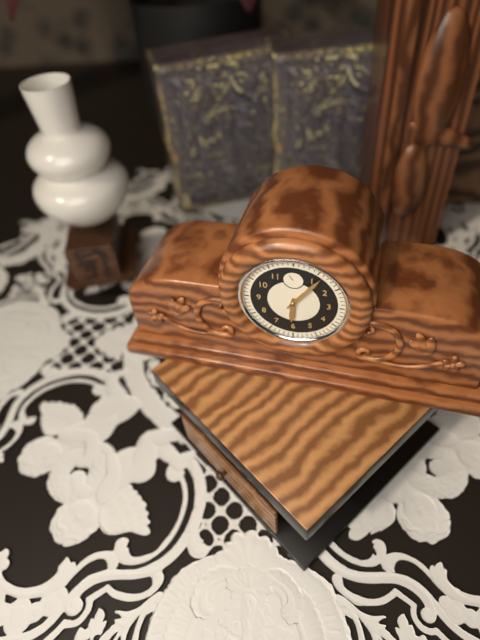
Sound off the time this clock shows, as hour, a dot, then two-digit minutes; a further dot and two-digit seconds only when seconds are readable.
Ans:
6.06
